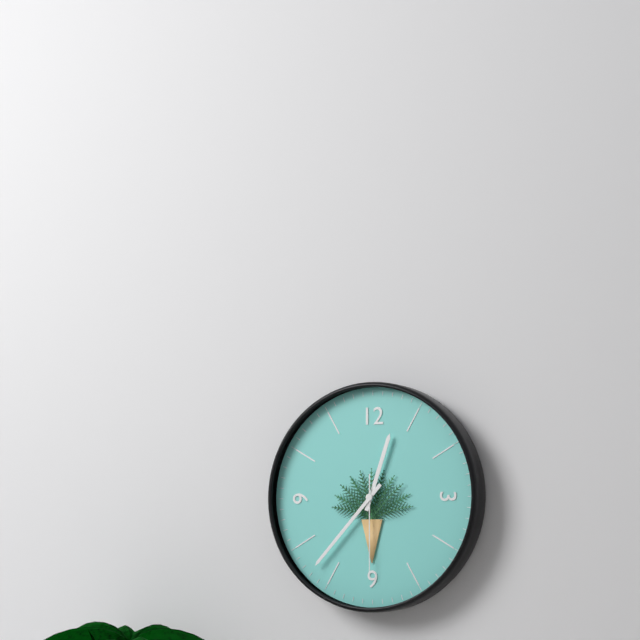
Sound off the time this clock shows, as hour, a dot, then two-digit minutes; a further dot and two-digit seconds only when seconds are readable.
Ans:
12.37.30
